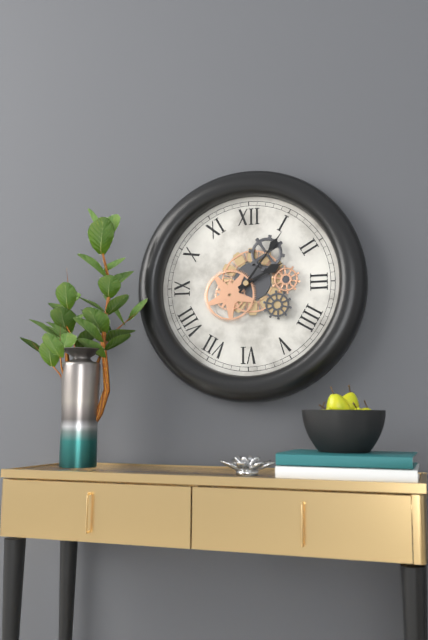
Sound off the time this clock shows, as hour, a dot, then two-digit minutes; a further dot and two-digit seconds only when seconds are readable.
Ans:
2.06
